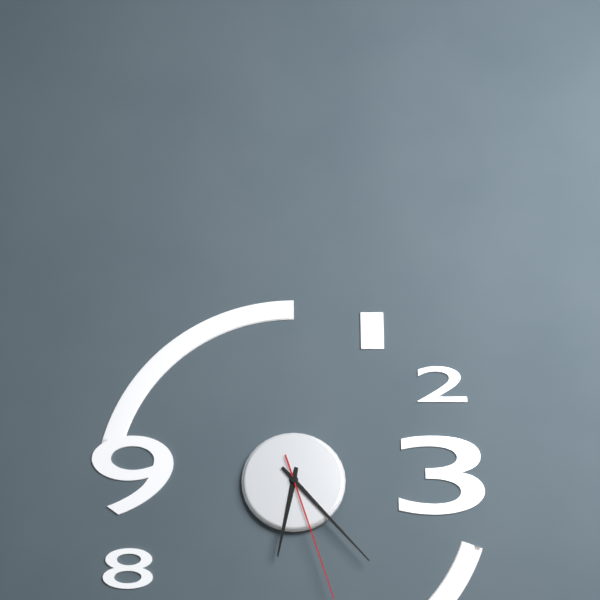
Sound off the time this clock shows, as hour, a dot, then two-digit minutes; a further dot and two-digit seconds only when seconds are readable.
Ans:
6.23.27
